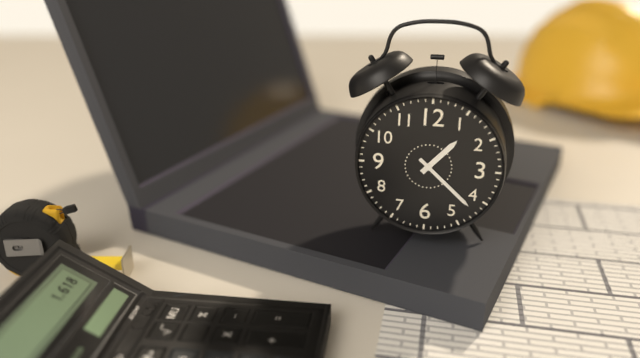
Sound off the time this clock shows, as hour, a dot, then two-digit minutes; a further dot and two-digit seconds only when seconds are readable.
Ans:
1.22
